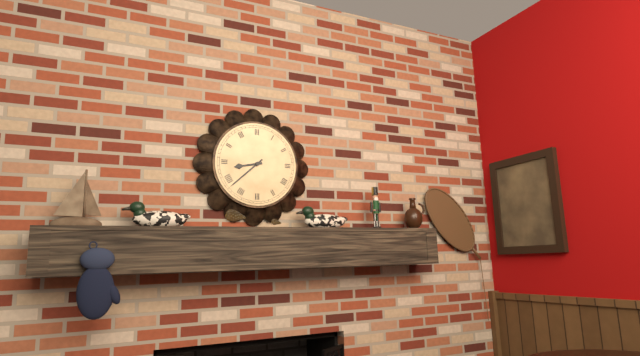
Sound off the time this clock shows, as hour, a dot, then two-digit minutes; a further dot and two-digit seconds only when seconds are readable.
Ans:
8.38
